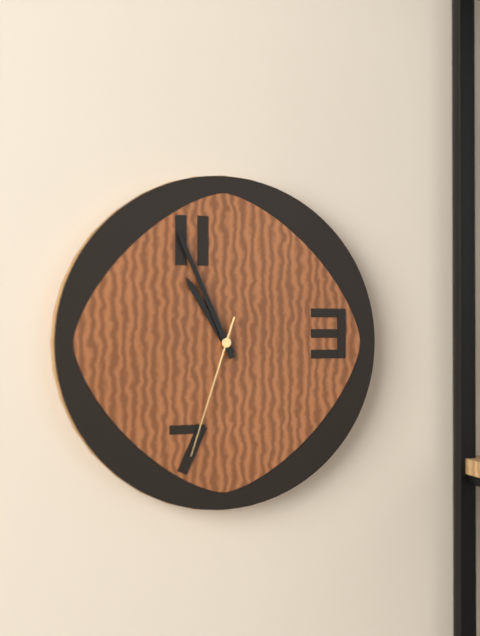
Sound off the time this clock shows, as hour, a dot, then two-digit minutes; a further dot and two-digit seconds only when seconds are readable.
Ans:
10.56.33
